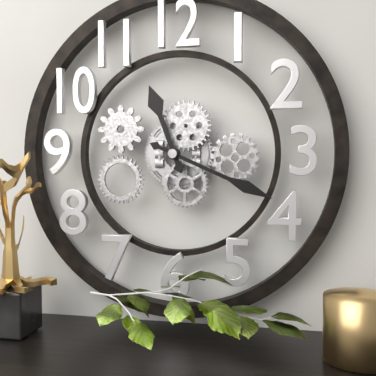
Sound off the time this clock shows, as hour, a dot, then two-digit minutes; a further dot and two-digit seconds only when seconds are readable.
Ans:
11.19
